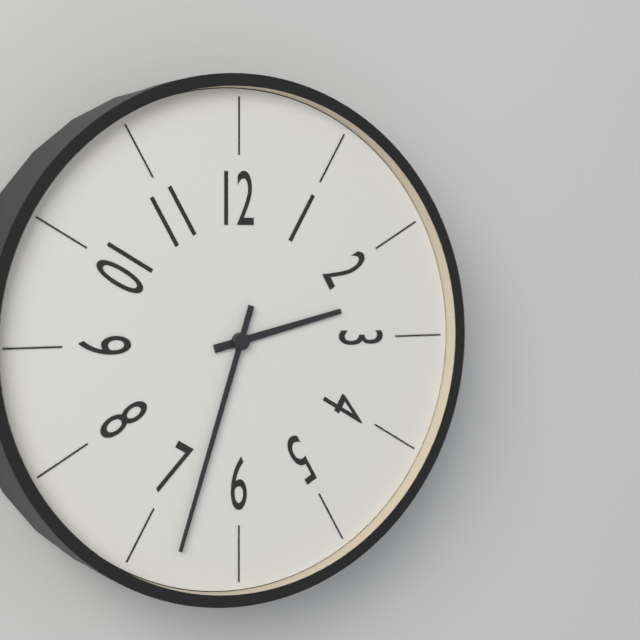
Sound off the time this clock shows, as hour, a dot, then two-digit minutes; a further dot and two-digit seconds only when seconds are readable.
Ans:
2.33
